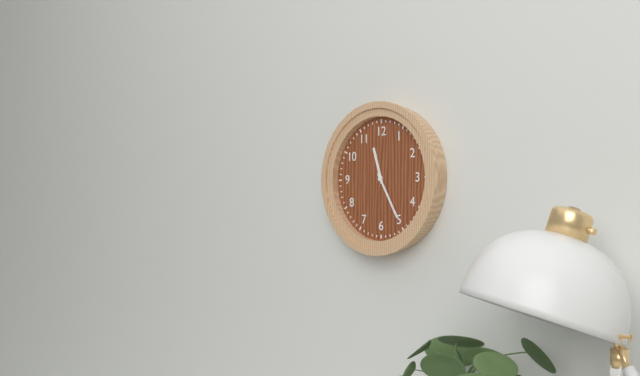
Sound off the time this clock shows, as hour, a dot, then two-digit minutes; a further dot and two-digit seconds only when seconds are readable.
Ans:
11.25
